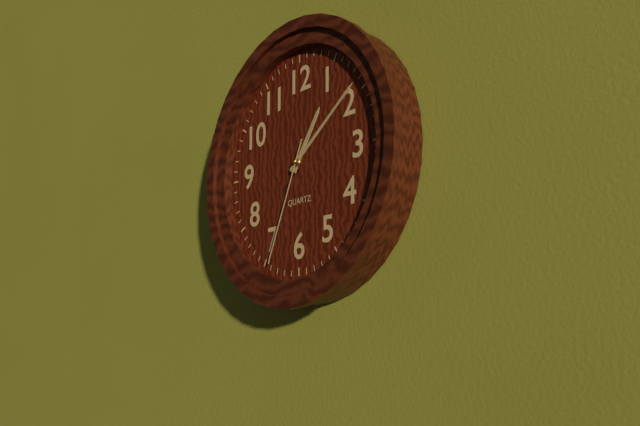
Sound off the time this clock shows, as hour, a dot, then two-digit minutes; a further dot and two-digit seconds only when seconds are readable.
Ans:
1.09.34
